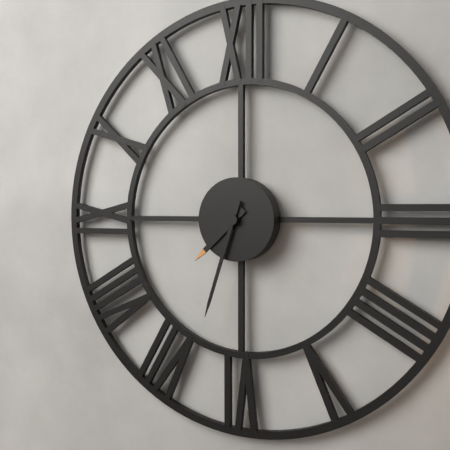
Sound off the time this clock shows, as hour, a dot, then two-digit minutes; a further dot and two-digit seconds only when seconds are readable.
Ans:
7.33
